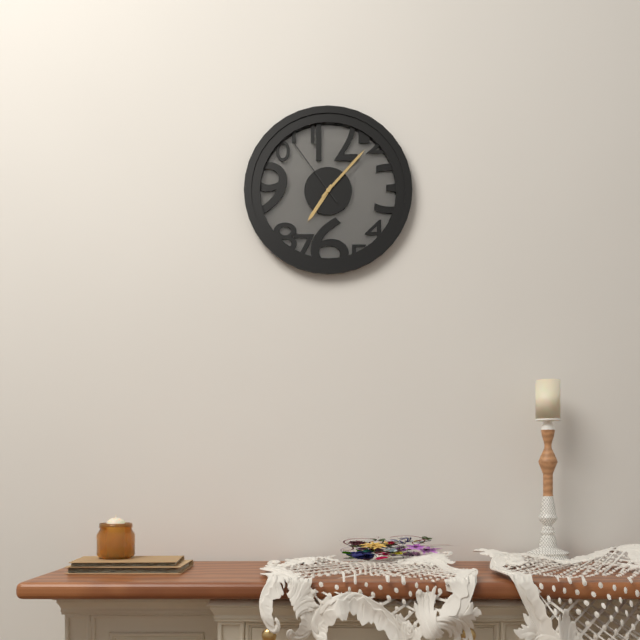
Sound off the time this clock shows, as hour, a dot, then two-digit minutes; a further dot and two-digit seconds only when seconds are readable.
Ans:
7.07.54
